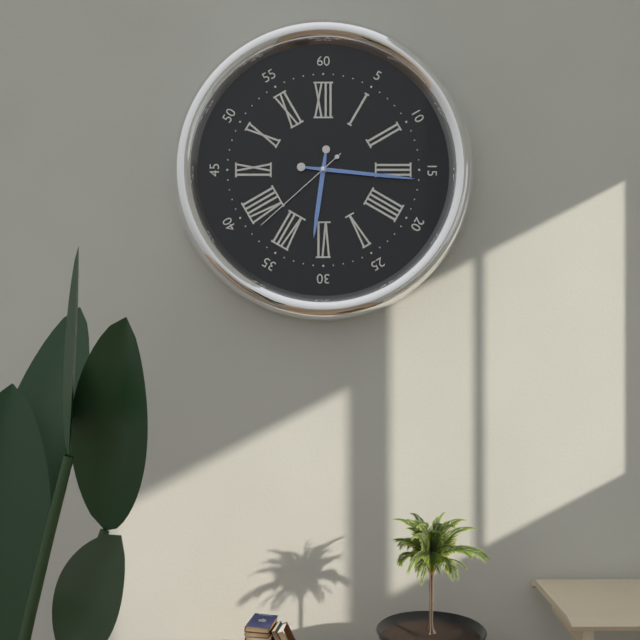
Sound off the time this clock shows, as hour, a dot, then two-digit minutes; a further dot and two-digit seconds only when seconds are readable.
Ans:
6.16.38
